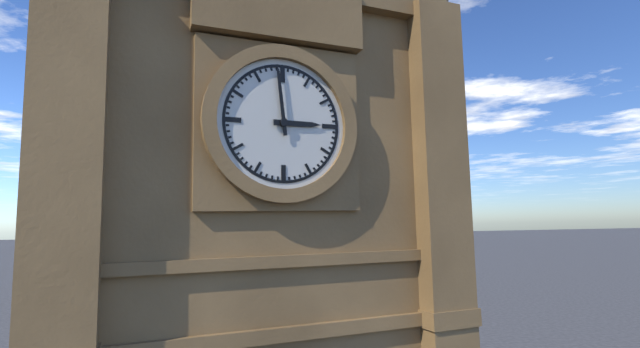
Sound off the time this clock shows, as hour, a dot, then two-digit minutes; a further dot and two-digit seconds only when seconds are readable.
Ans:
2.59
